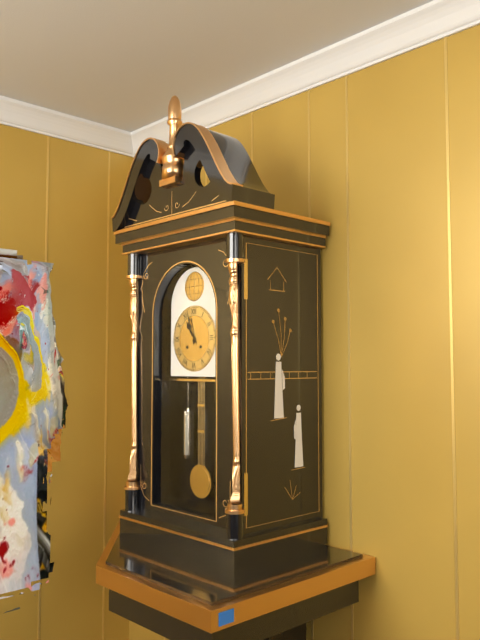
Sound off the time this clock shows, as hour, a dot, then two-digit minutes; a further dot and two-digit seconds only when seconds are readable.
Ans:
10.57
